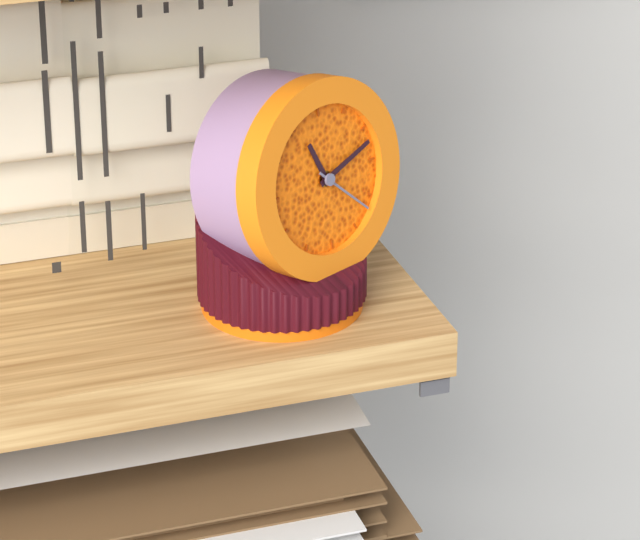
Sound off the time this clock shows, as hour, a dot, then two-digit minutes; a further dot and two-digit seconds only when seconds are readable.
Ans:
11.12.22
